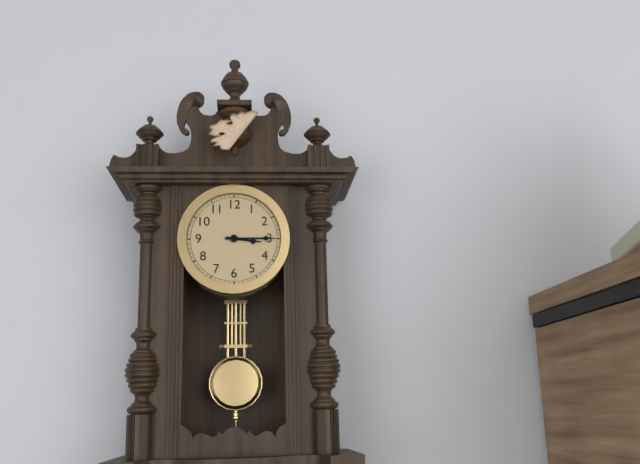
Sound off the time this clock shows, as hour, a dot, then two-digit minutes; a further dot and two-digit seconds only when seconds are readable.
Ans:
3.15
